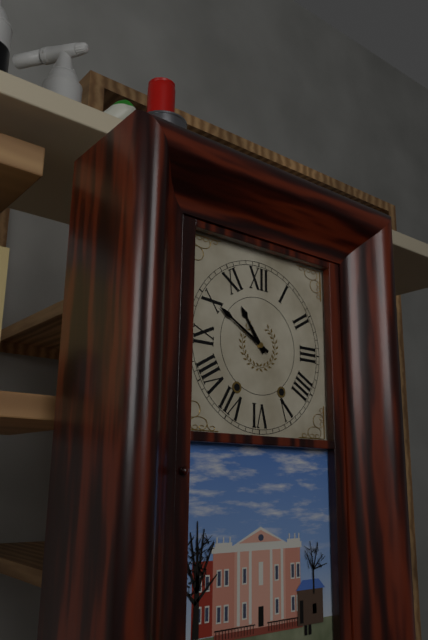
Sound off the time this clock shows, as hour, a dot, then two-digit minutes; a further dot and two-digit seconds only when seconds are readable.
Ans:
10.50
